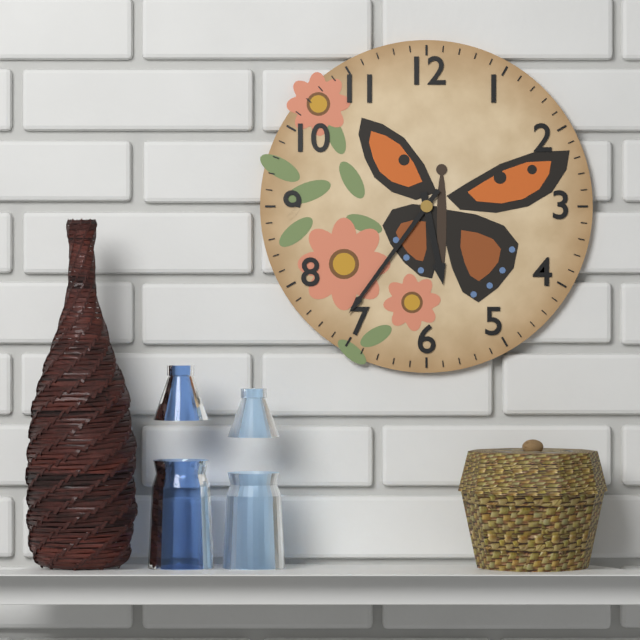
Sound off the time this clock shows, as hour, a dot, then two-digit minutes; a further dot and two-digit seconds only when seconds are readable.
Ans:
5.36
